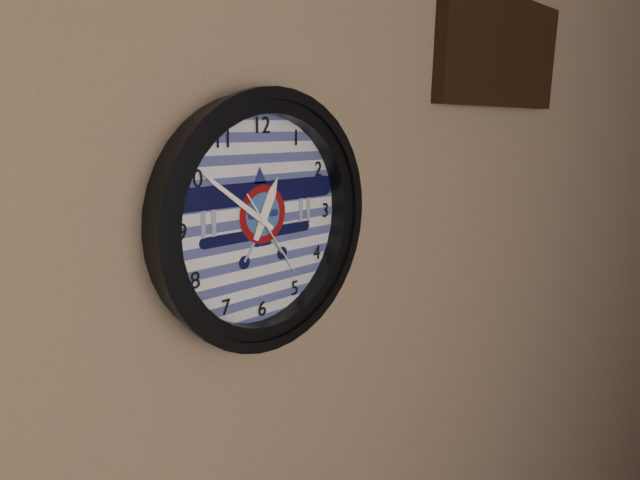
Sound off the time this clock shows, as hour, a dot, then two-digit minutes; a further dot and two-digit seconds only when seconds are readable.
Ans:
12.51.24
